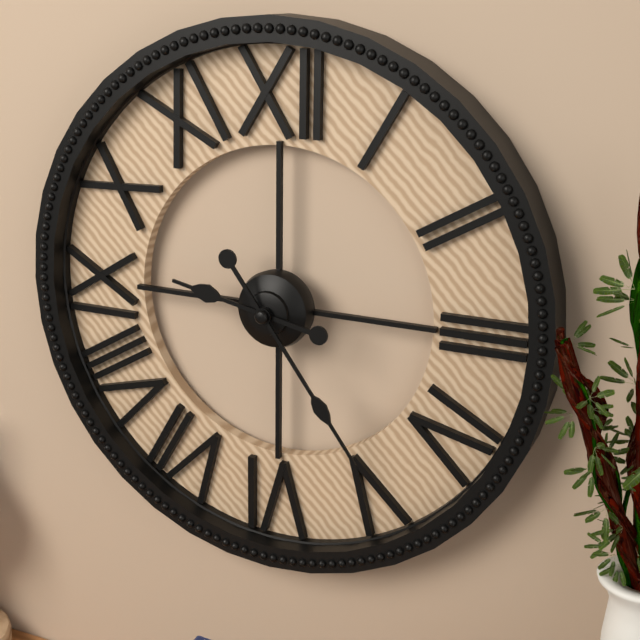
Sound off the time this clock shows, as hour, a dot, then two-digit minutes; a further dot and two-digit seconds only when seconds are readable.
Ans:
9.24
